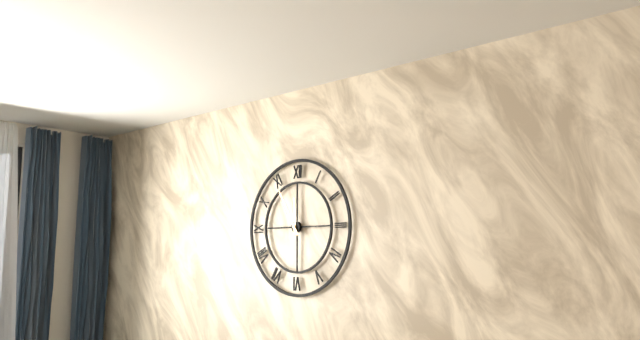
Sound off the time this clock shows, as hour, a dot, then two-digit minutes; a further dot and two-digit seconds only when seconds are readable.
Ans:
11.55
